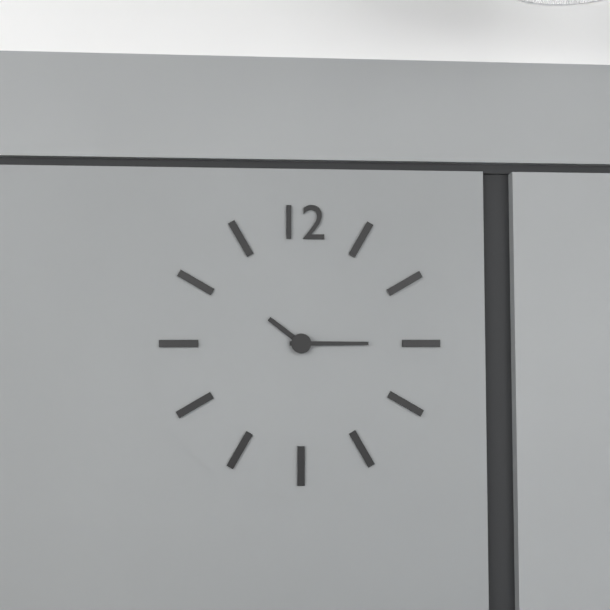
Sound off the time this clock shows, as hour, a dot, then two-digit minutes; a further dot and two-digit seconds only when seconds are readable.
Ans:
10.15
